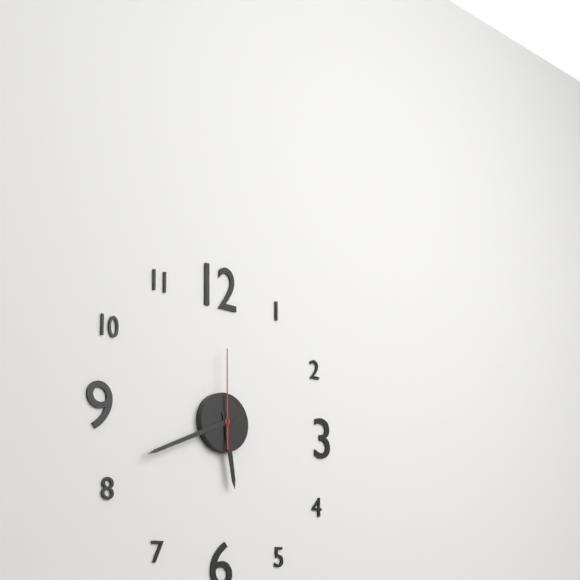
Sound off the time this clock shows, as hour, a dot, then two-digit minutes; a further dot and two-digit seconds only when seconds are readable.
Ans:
5.41.00
